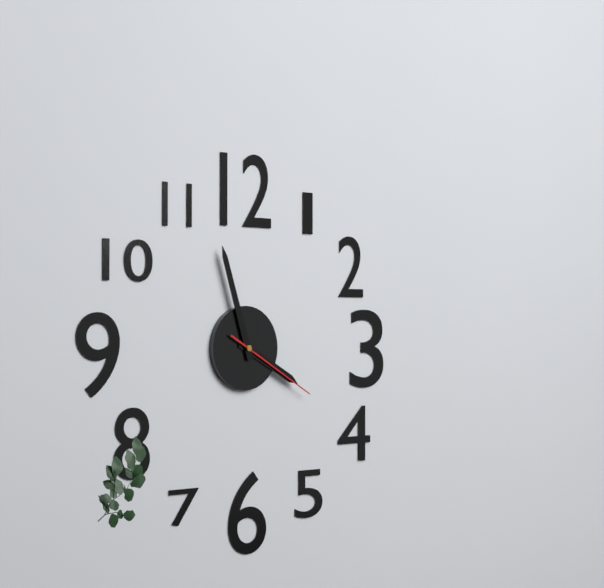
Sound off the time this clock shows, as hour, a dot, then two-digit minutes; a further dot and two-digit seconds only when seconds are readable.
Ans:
3.57.20
